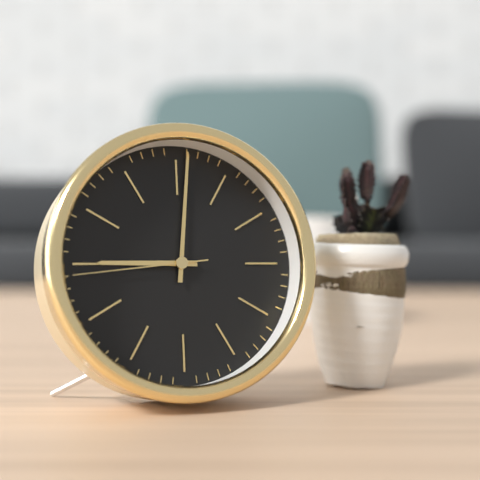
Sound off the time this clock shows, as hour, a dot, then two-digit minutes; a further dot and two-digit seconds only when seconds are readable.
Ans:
9.01.44
